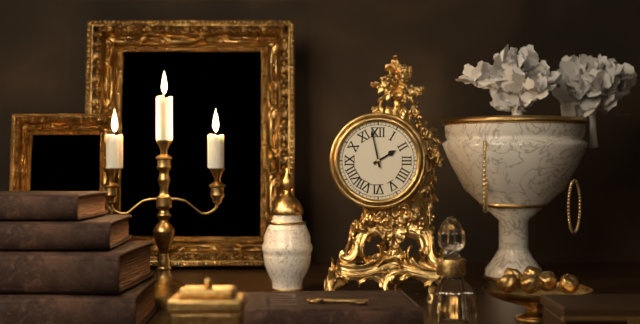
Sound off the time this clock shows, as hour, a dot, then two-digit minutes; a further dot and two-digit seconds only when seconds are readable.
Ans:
1.58
